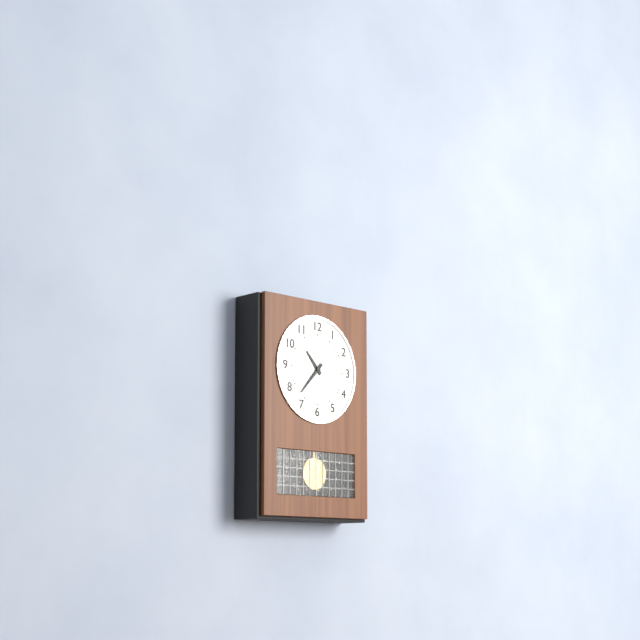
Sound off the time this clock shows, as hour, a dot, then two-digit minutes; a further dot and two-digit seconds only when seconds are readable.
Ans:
10.37
